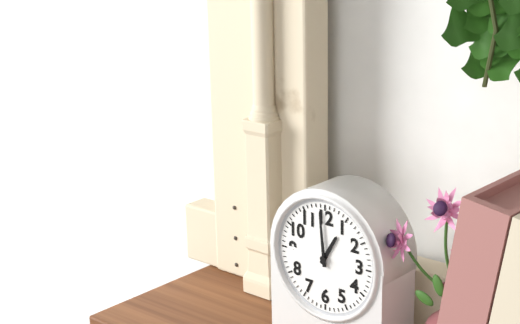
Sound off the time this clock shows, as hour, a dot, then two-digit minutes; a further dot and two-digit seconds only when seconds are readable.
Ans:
12.59
